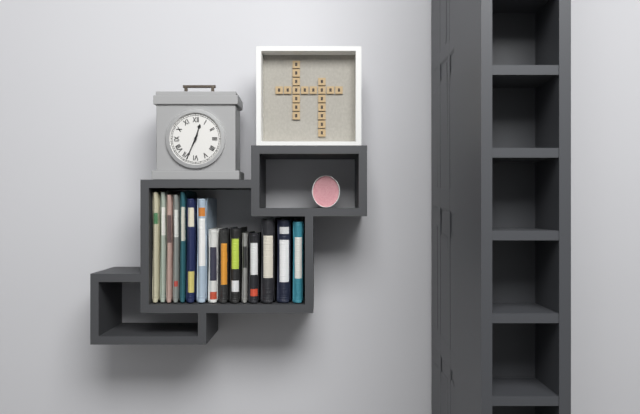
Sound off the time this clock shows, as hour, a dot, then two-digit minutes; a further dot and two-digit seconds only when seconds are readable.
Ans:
12.34
